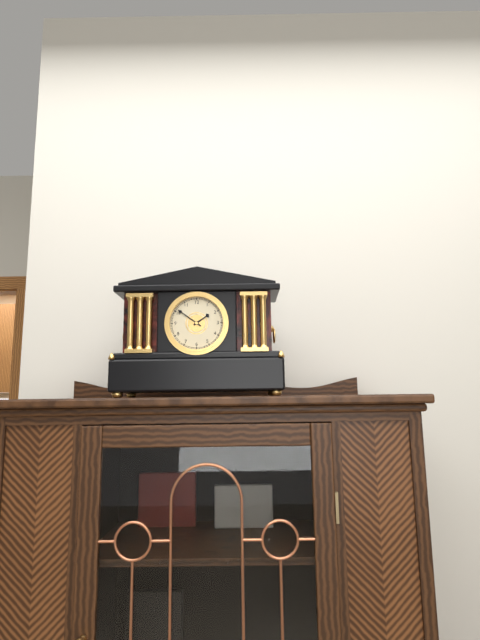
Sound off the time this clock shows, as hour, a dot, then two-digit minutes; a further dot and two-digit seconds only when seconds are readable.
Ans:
1.51
